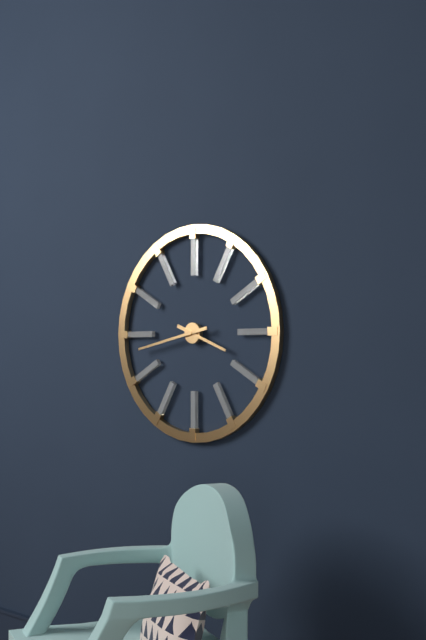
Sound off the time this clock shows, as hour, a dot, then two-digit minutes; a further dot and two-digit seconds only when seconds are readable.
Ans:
3.43
